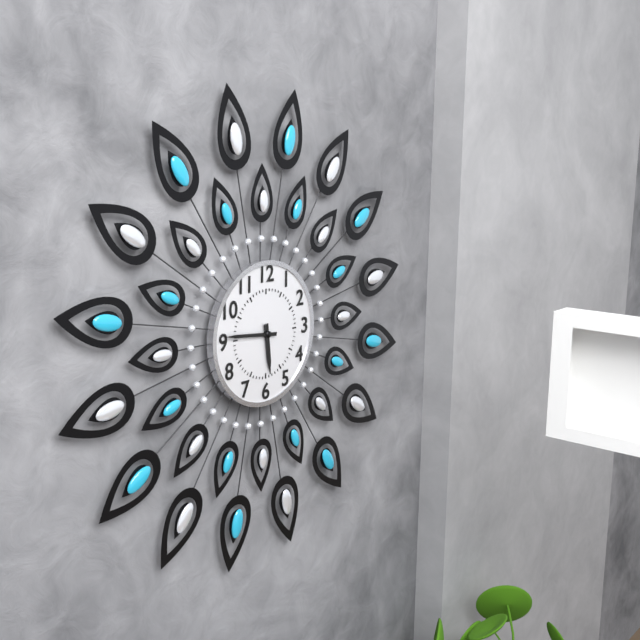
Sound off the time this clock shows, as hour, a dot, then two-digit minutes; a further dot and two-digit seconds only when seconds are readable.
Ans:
5.46
